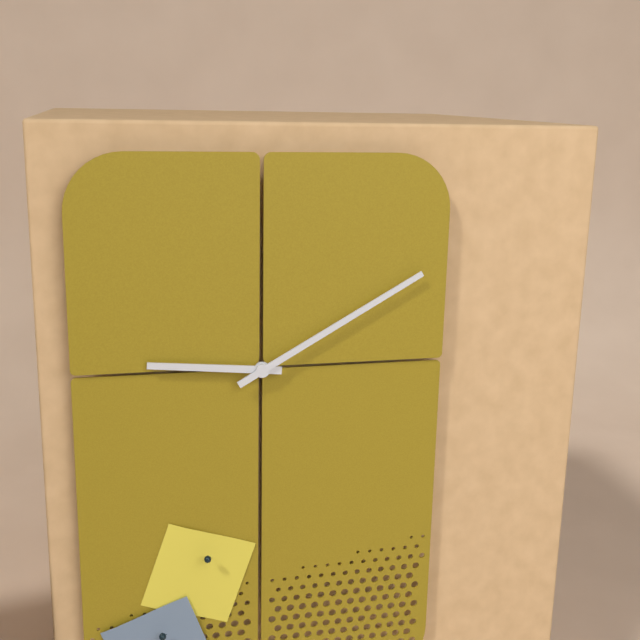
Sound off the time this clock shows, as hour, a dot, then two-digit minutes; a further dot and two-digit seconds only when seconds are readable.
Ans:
9.10
